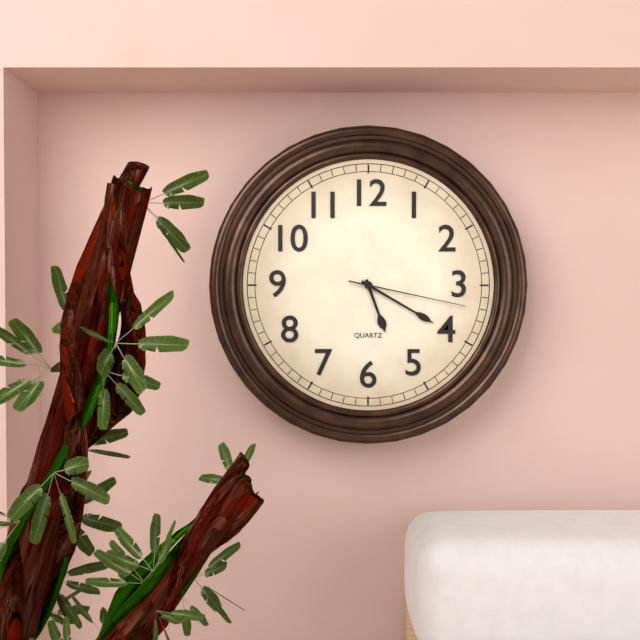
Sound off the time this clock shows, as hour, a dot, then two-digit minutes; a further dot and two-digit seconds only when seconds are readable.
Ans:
5.20.17
